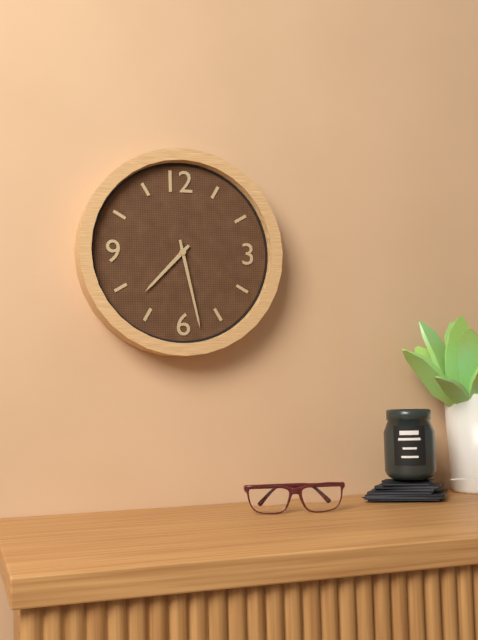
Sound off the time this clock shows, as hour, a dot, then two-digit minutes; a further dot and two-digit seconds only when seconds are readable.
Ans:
7.28
